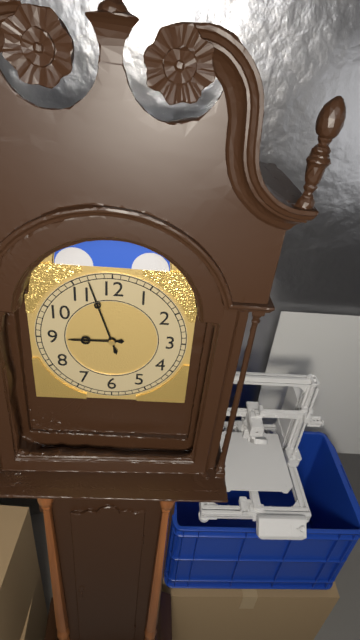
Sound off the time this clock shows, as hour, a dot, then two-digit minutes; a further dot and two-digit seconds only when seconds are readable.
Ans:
8.57
